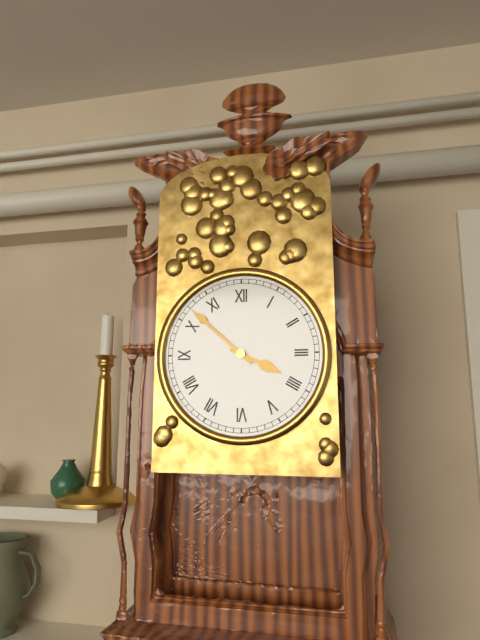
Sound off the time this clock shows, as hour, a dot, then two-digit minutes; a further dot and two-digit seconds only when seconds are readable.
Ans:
3.52
